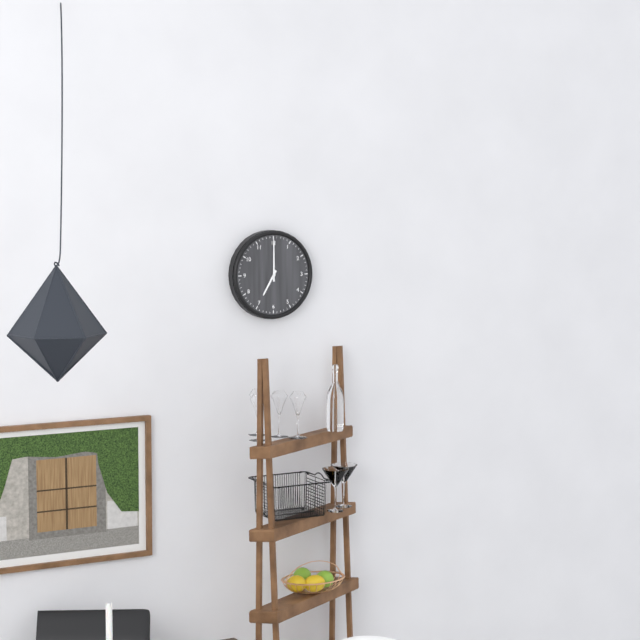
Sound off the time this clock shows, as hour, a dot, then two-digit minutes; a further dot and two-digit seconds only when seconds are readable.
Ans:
7.00
